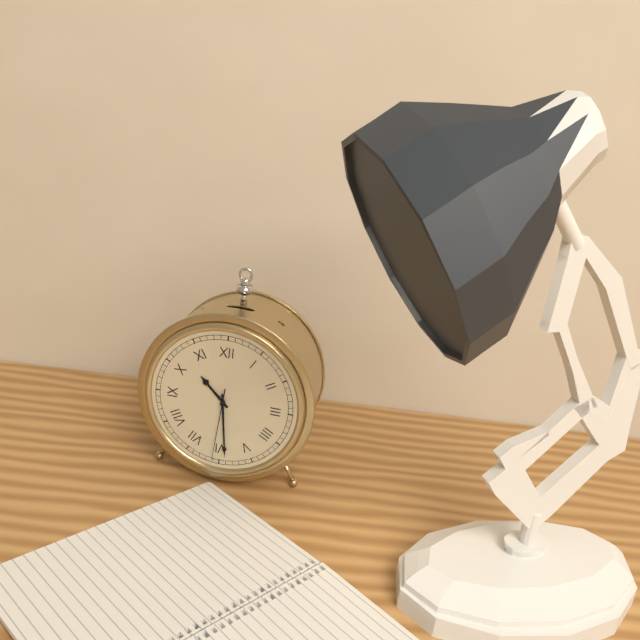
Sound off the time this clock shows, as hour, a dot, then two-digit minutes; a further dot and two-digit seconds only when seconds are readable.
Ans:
10.29.31
